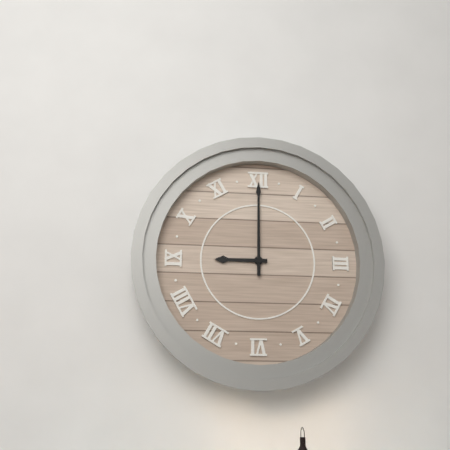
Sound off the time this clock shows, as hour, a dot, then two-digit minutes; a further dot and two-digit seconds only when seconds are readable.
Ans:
9.00
